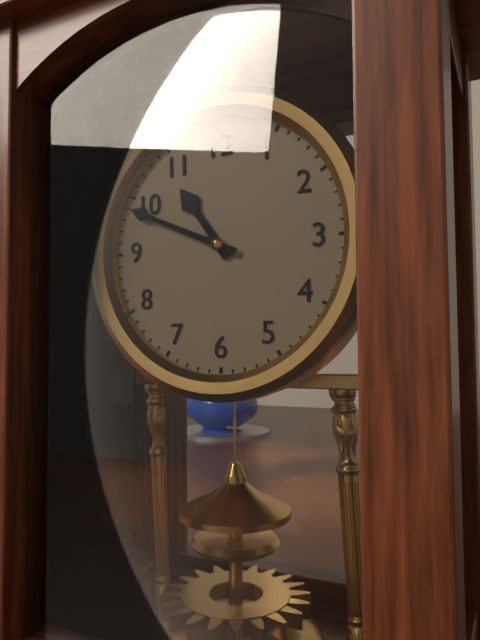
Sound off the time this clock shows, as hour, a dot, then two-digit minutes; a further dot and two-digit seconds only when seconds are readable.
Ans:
10.49
